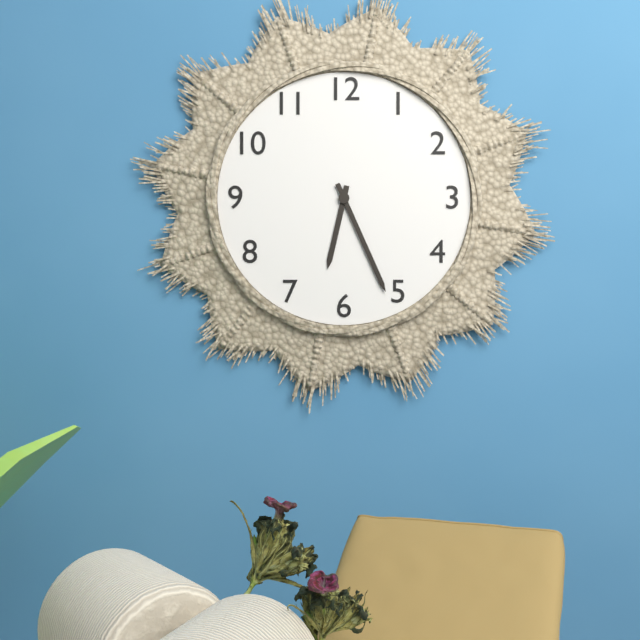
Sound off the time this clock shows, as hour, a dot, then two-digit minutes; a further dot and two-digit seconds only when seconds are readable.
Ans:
6.26
